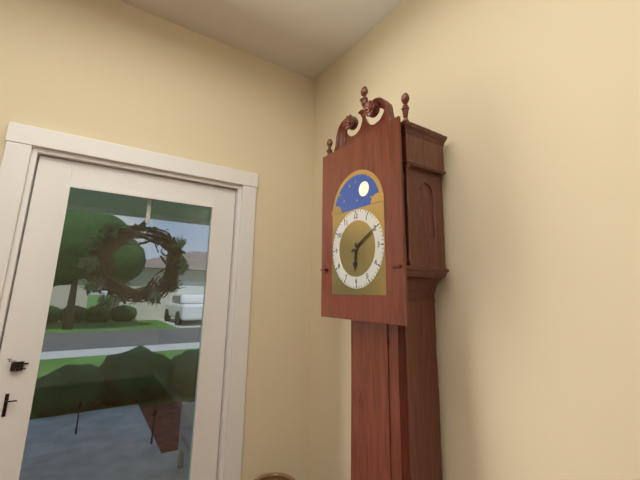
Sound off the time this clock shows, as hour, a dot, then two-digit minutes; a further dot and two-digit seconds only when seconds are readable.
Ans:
6.10
